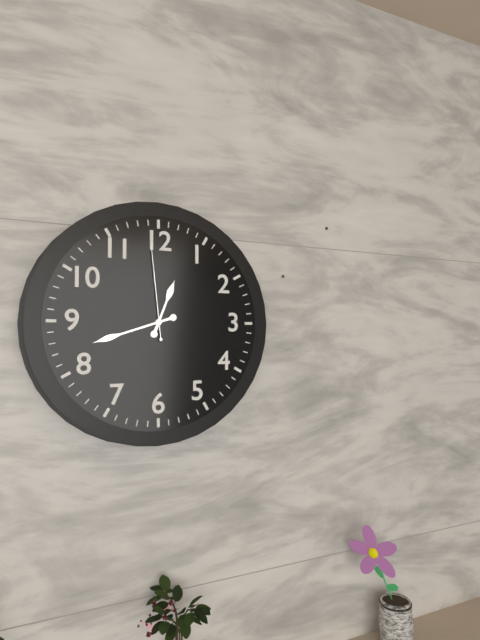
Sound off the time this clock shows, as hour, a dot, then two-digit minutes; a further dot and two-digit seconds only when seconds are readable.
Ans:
12.42.59
